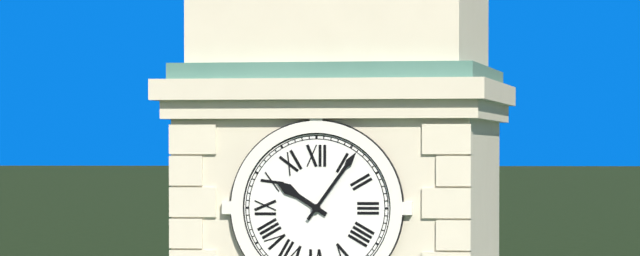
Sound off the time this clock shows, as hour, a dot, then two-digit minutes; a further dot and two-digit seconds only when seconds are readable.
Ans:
10.06
